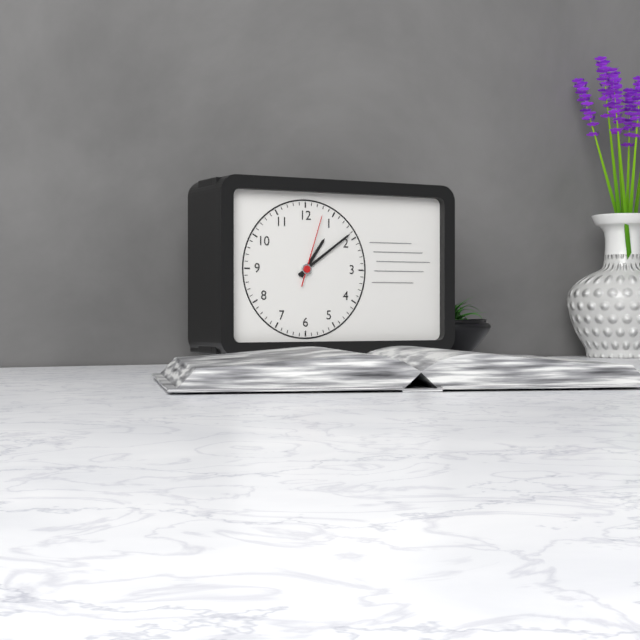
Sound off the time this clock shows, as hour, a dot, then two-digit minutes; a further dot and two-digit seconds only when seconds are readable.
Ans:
1.09.03
